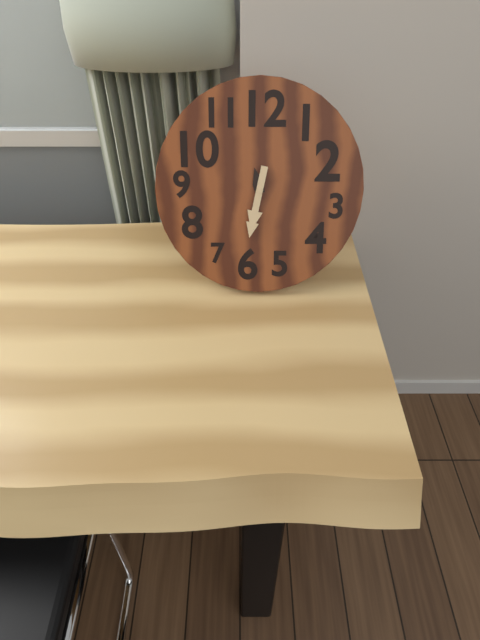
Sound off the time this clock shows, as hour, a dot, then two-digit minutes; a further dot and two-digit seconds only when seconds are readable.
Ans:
11.32
